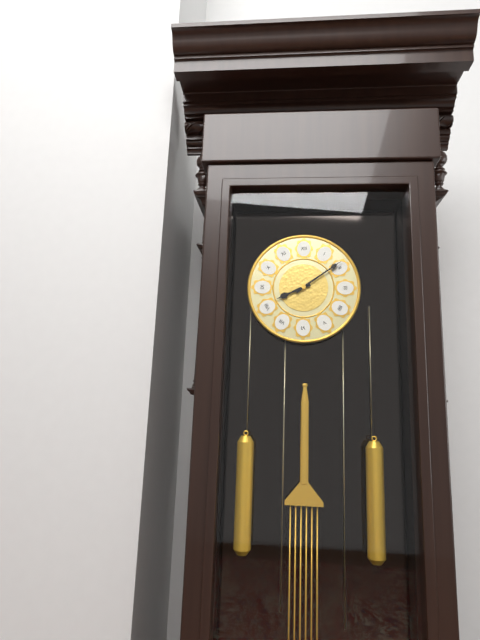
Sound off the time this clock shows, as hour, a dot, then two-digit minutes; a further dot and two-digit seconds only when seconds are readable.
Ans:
8.09
